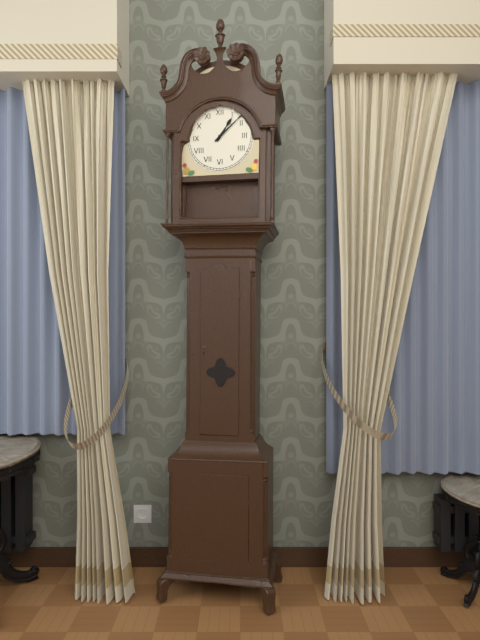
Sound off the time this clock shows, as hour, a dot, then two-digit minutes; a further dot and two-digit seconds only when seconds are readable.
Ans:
1.08
